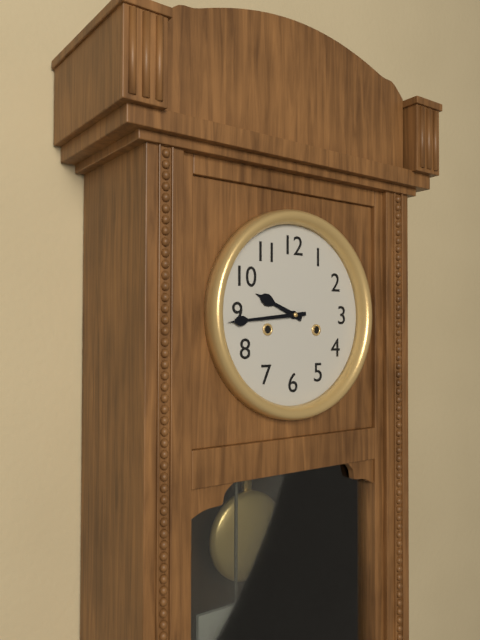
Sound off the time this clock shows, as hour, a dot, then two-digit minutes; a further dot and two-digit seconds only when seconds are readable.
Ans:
9.44
